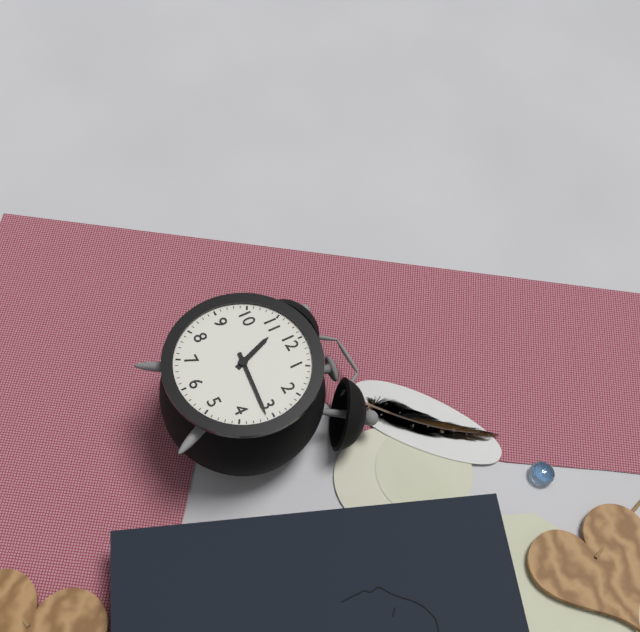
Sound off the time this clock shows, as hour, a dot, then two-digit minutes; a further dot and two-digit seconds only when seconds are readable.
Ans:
11.16
